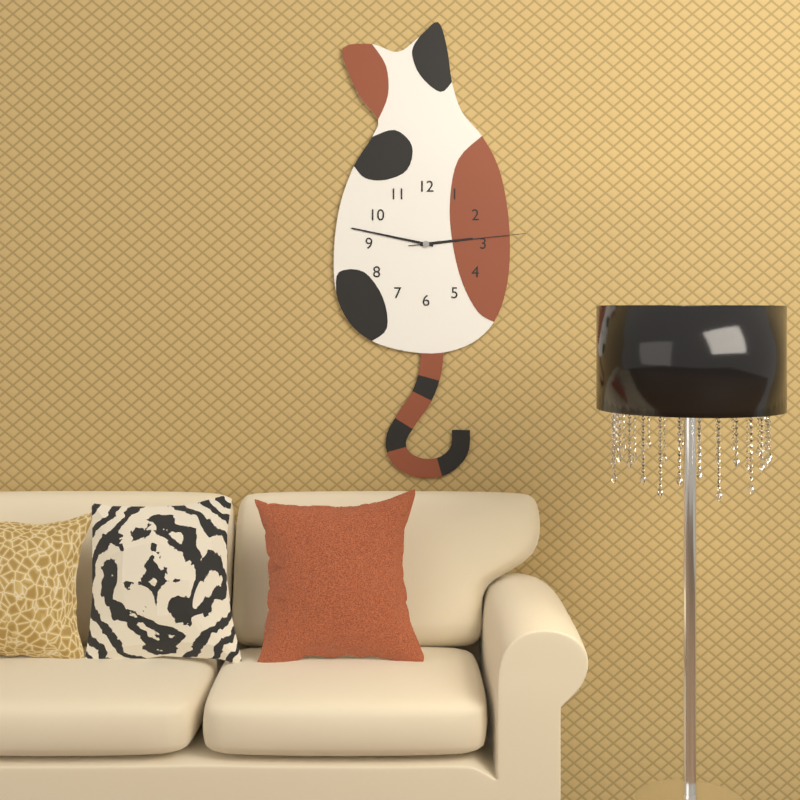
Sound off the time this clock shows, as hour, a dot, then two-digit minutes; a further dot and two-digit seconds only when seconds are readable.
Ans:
2.47.14
